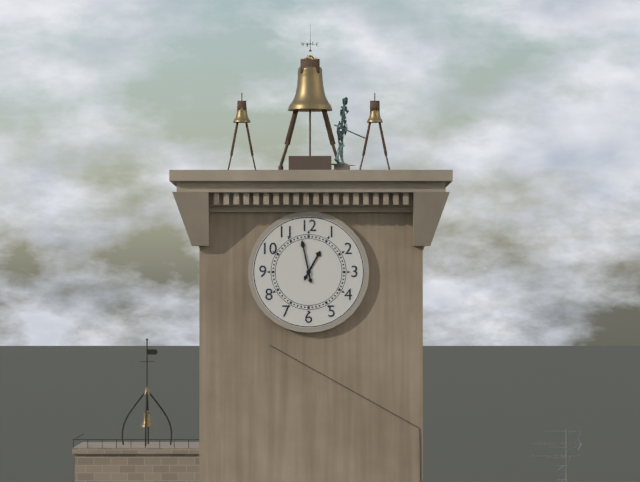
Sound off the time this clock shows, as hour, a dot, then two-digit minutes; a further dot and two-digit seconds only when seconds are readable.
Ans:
12.58
